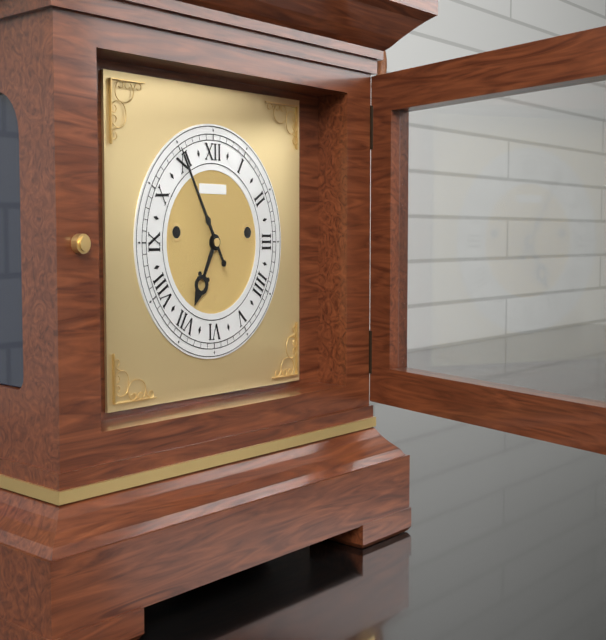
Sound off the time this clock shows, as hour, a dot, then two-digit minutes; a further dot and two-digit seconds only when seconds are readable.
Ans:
6.55
